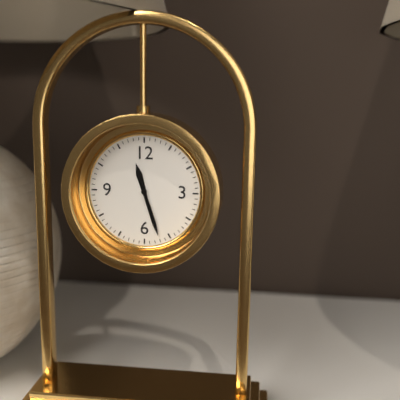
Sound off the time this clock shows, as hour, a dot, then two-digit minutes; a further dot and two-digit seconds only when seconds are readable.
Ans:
11.27
